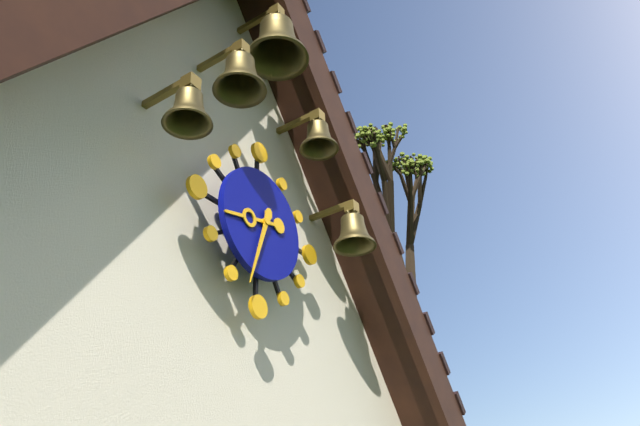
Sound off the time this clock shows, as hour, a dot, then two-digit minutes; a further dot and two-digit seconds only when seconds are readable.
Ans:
8.33
